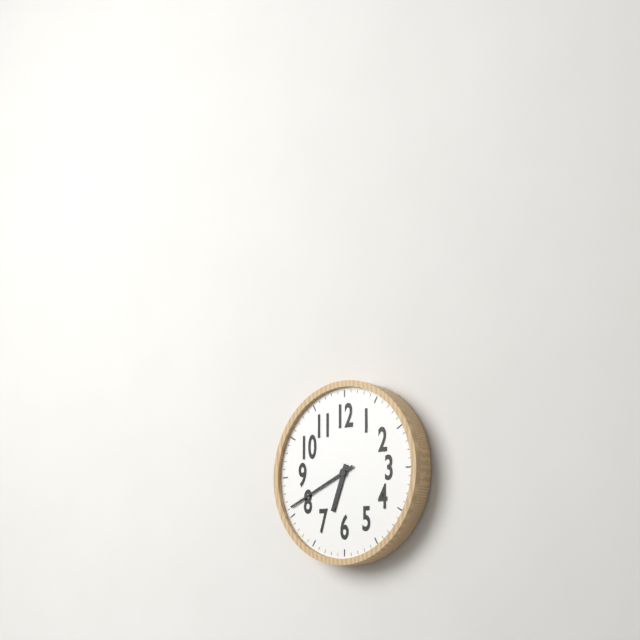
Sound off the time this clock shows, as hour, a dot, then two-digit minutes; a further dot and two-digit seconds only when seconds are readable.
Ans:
6.41
